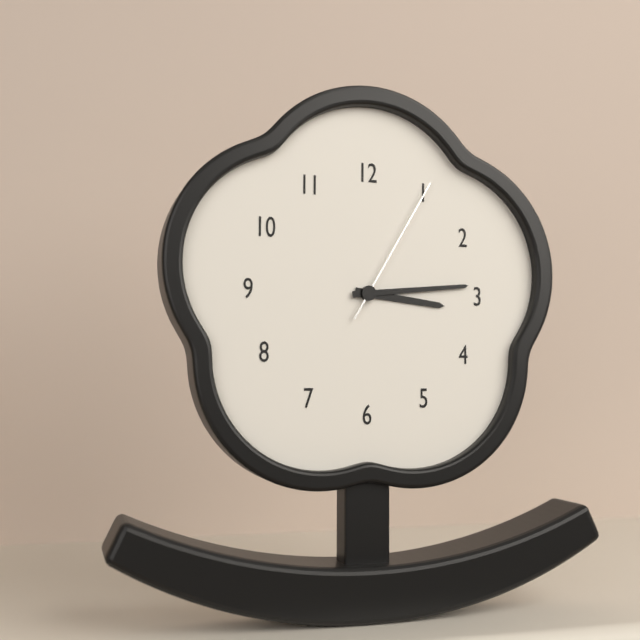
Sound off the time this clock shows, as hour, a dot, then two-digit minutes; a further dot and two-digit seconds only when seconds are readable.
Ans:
3.14.05
